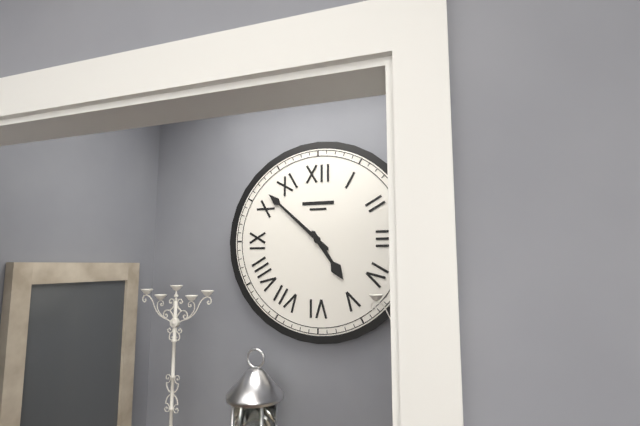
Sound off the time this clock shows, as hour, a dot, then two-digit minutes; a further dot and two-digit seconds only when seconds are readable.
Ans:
4.52
